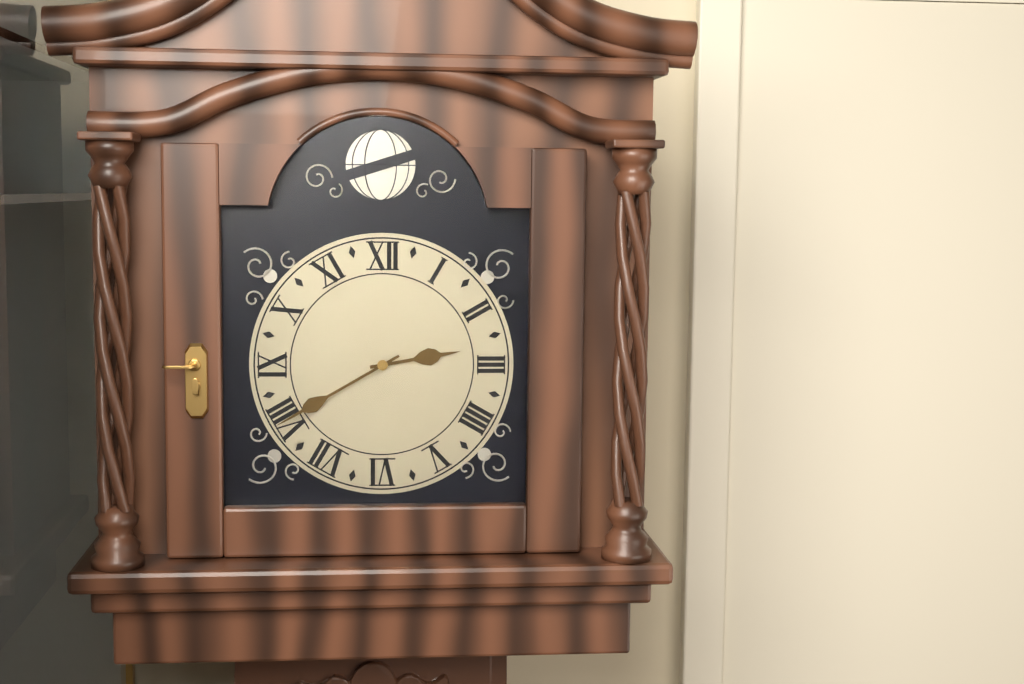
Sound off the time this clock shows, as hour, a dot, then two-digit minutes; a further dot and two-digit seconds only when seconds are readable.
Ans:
2.40
